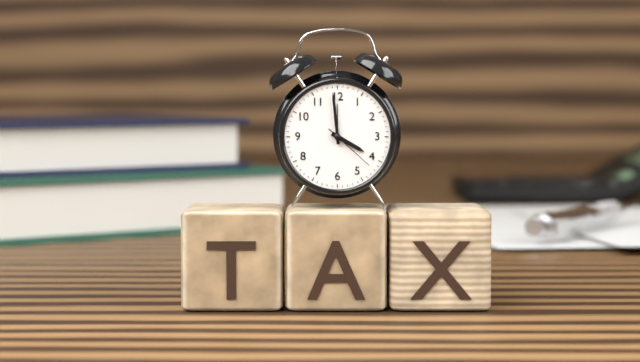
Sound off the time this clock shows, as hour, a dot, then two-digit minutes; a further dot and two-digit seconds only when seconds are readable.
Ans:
3.59.22
